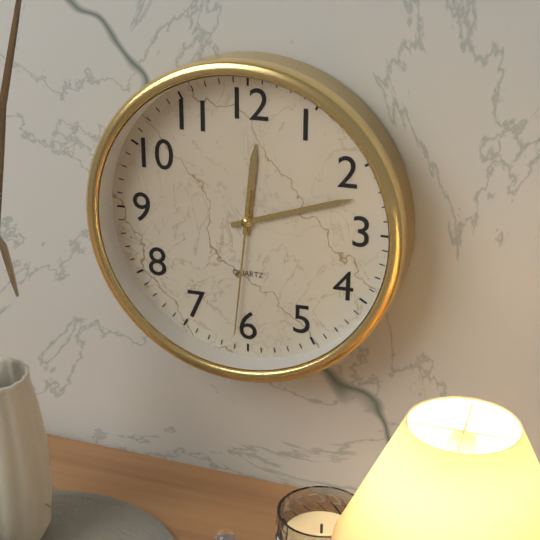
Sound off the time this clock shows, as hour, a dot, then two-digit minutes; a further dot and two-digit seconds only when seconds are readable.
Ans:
12.12.31
